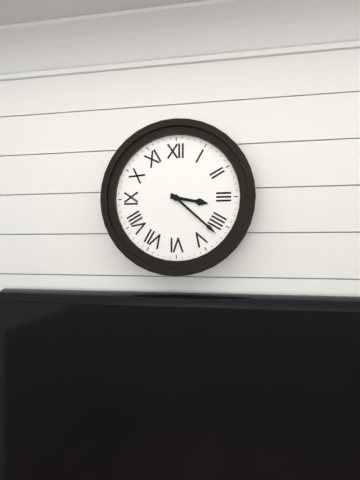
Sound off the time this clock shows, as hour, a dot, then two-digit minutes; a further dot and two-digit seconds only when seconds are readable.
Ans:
3.22
